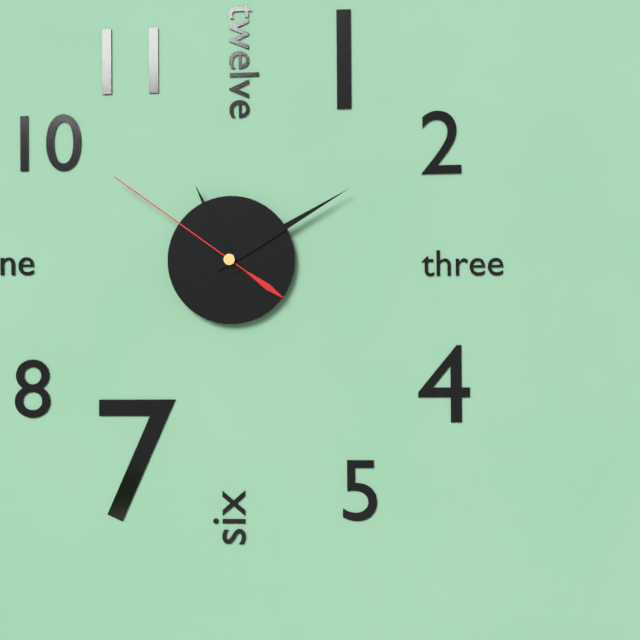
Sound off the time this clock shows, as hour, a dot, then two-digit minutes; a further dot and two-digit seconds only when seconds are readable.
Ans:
11.10.51
